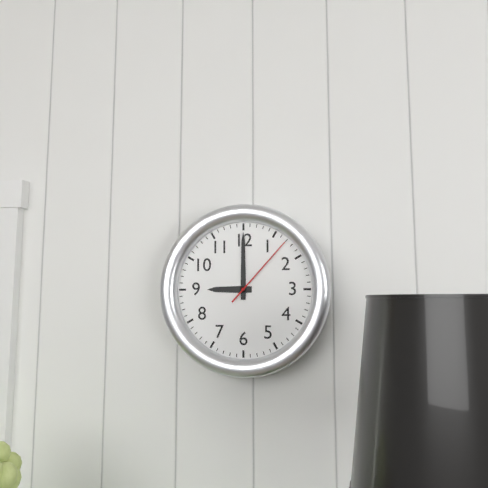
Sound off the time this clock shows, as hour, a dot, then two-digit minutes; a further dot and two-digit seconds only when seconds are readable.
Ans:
9.00.07
